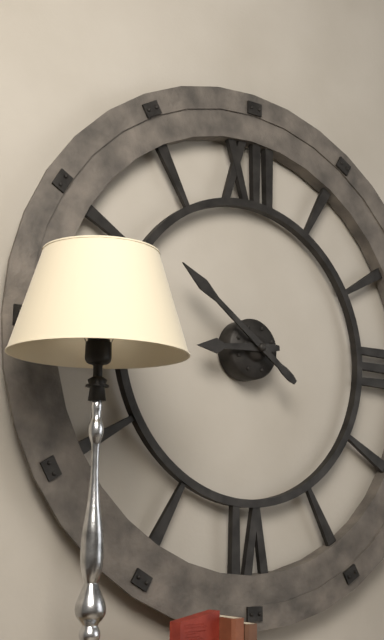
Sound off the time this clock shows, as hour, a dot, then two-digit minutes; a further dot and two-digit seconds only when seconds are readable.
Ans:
8.51
